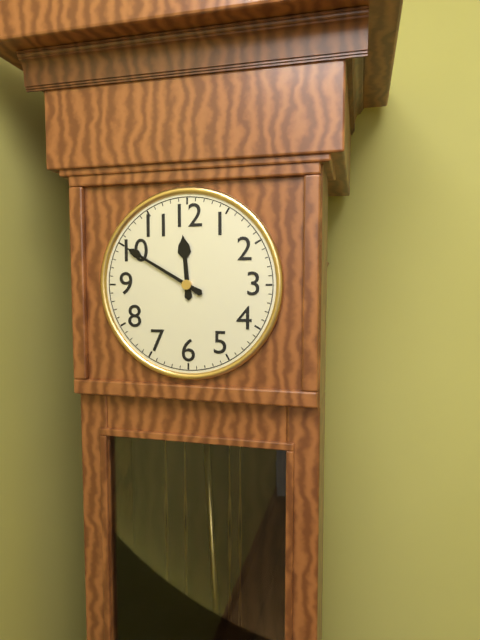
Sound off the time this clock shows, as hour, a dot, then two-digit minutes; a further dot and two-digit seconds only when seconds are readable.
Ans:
11.50
